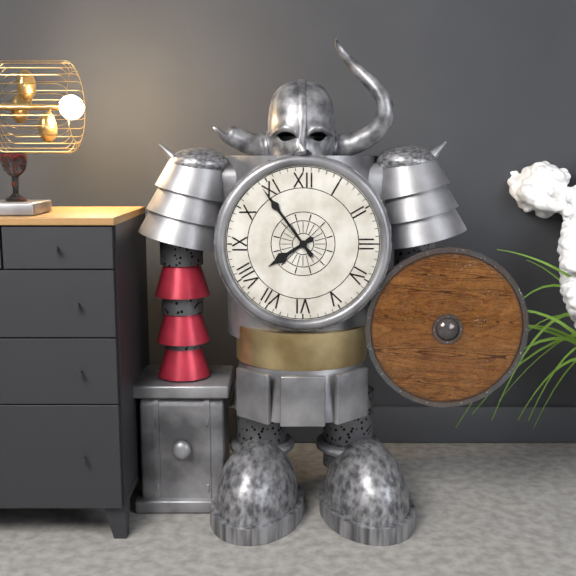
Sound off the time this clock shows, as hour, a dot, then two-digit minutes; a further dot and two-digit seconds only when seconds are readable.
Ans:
7.54
